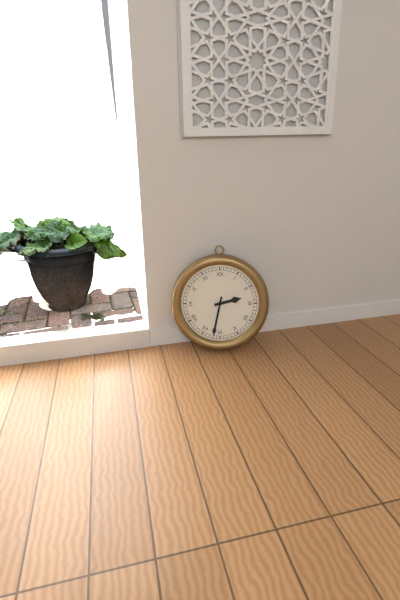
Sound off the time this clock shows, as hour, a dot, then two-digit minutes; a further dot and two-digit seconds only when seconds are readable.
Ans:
2.32
